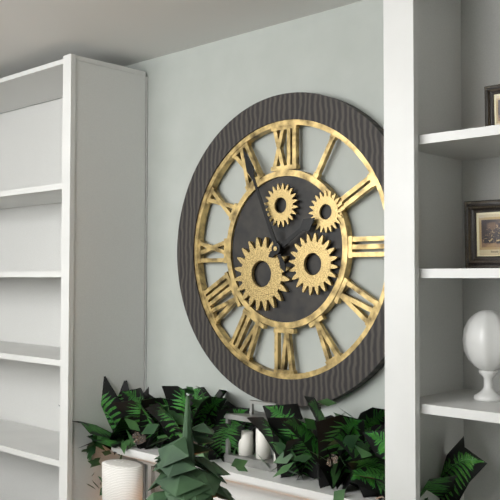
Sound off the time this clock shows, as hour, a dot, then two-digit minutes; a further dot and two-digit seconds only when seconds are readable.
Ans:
1.56
